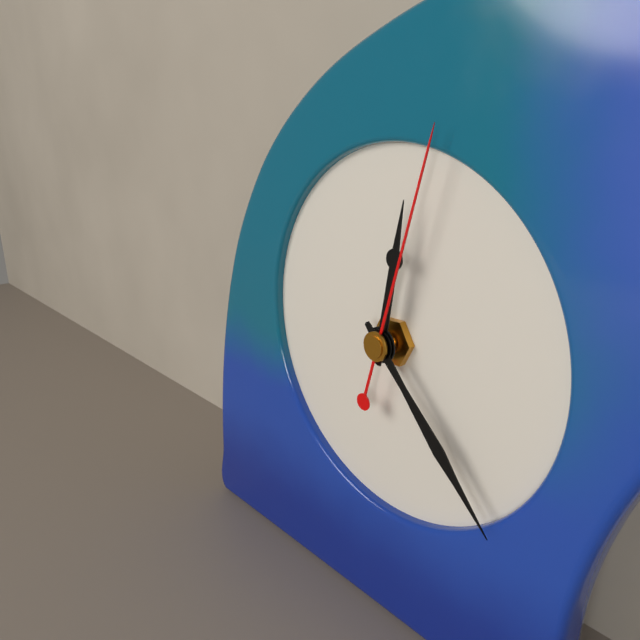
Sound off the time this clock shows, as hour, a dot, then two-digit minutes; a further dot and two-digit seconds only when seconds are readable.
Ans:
12.23.03
